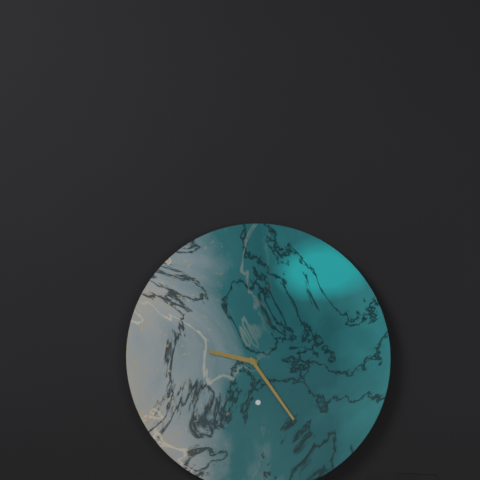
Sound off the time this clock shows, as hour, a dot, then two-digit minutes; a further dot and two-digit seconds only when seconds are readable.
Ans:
9.24
